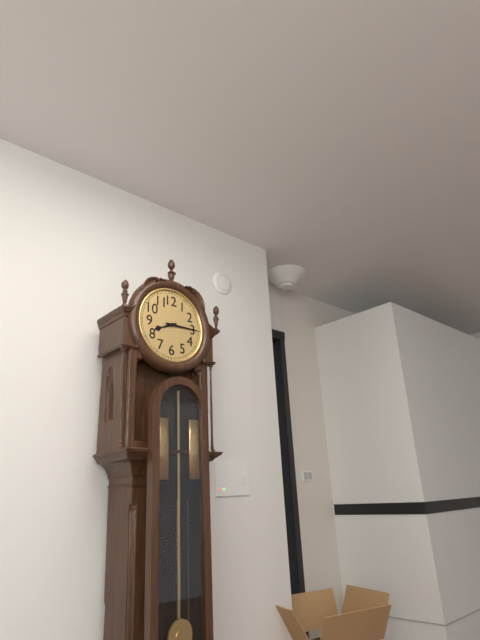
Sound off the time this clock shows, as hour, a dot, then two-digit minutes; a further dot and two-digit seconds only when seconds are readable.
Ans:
8.15
